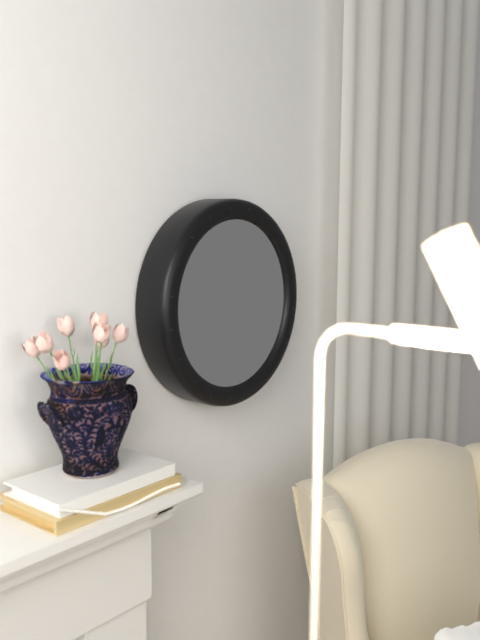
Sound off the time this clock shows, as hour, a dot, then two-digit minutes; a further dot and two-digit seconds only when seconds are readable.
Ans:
9.23
